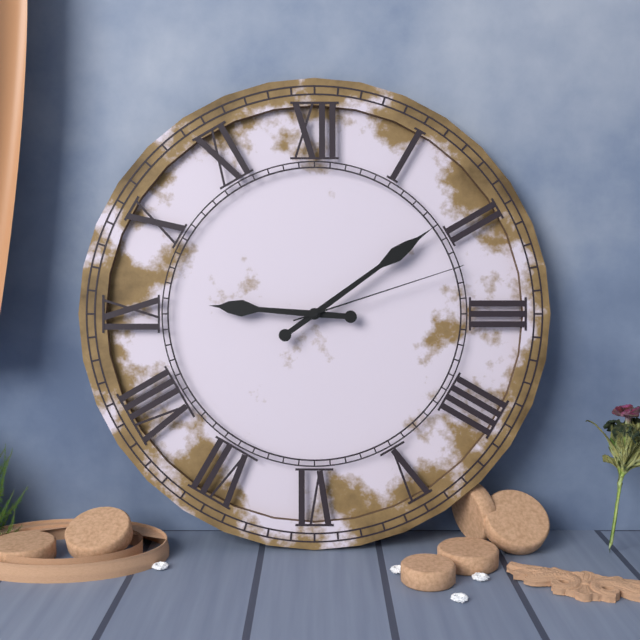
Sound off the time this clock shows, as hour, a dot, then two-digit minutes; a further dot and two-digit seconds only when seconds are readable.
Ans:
9.09.12
